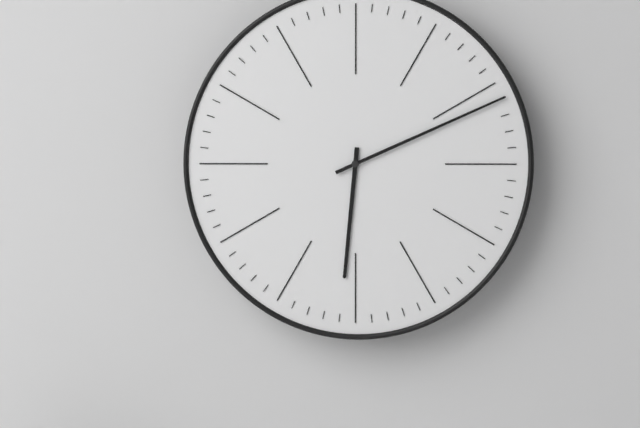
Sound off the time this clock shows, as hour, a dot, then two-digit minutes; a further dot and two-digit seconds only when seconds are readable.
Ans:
6.11
